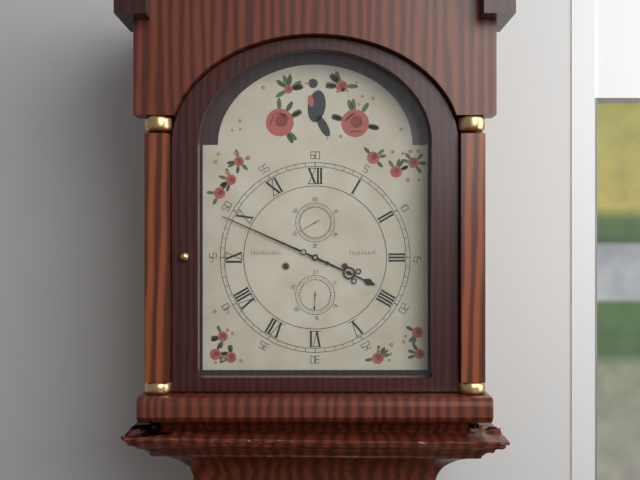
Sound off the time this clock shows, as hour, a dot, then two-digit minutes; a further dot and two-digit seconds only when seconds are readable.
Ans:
3.49
